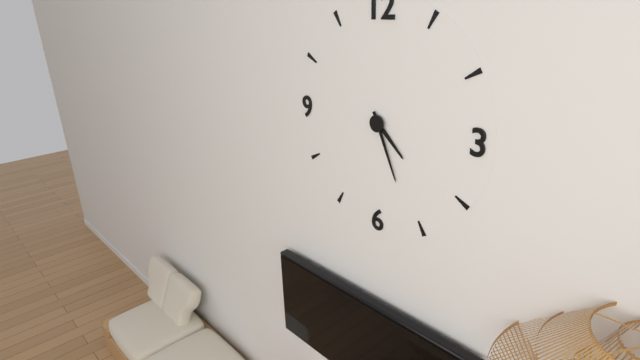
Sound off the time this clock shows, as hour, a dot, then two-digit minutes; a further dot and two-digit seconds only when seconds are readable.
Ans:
4.26
